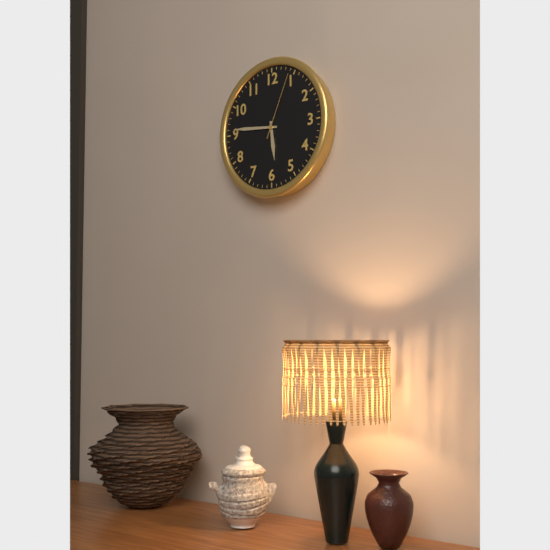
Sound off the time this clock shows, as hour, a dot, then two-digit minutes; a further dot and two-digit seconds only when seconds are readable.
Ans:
5.46.04
